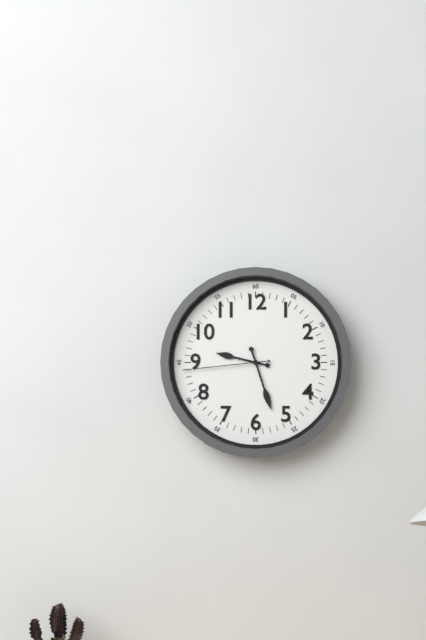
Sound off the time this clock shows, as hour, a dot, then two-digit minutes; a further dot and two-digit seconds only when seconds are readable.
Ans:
9.27.44
